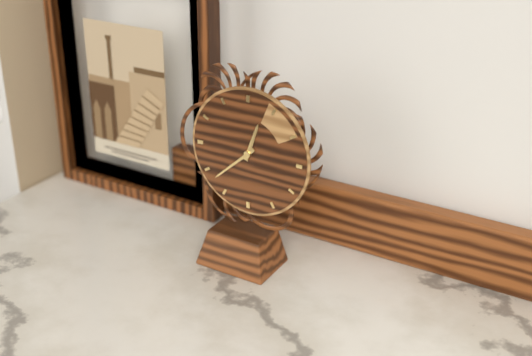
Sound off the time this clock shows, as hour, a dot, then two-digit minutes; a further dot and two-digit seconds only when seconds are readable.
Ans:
12.38
